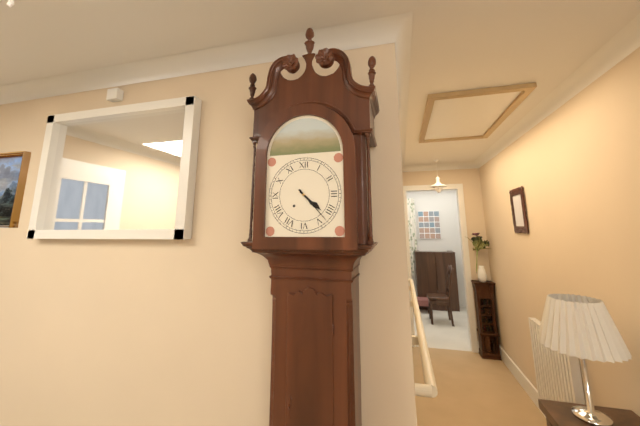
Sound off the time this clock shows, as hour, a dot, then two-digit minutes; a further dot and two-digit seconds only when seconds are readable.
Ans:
4.23
